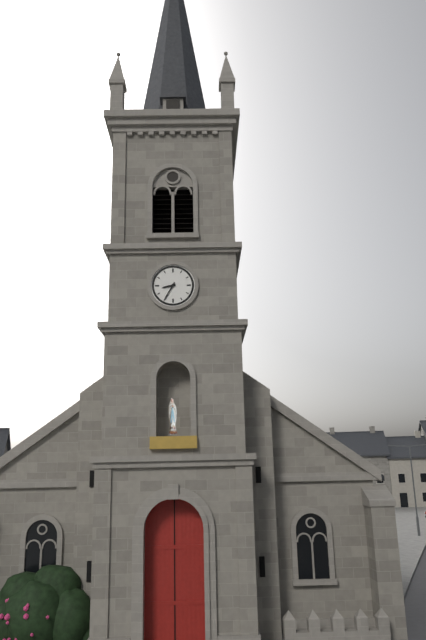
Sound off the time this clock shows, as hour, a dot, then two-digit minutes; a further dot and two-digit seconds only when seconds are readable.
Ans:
8.35
